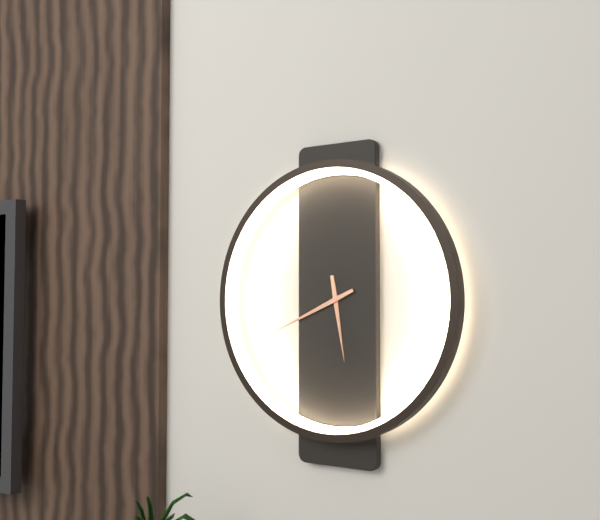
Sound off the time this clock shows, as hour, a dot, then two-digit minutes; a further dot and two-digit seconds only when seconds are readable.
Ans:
5.41
